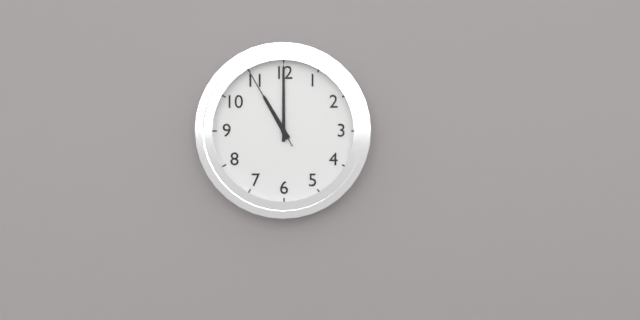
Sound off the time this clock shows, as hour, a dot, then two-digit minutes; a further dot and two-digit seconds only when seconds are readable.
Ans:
11.00.55
